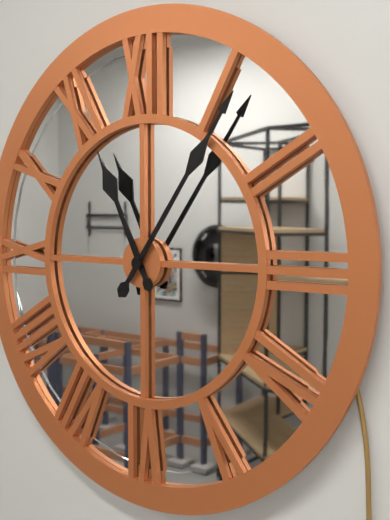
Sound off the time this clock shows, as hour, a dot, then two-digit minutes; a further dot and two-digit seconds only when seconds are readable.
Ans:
11.06
